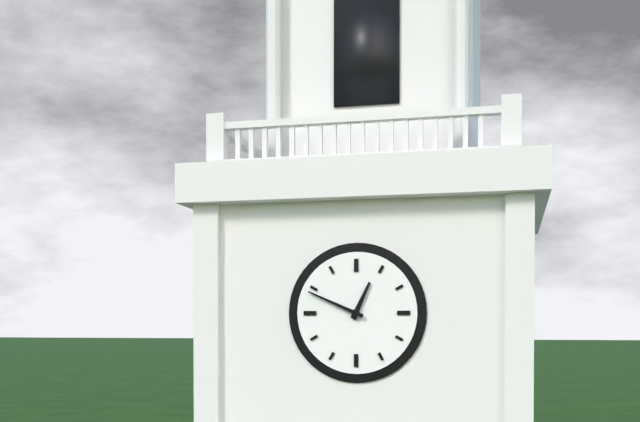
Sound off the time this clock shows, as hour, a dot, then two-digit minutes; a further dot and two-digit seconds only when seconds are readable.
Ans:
12.49
